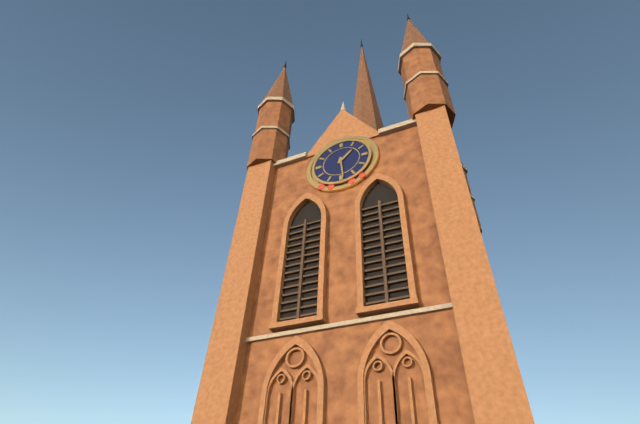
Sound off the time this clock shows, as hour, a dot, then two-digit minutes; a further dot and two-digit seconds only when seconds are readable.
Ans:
1.29
